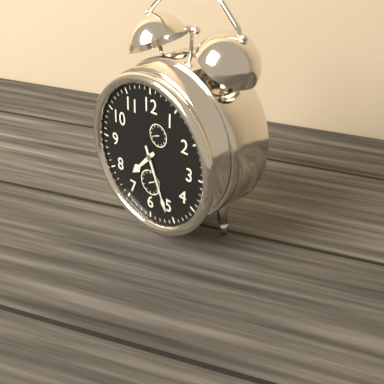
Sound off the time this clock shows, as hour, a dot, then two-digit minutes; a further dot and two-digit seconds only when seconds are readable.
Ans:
7.26
